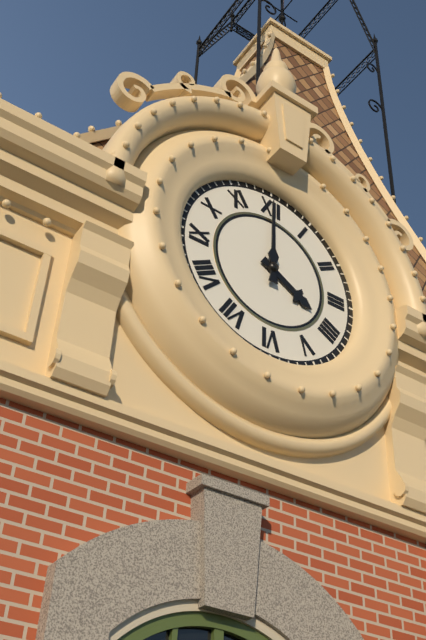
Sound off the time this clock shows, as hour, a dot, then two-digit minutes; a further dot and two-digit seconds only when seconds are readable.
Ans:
4.00
